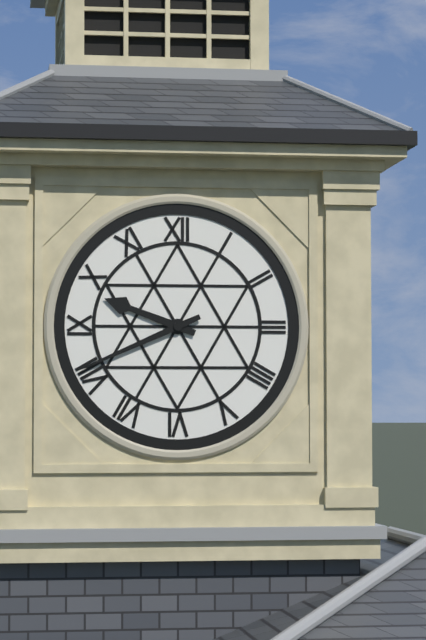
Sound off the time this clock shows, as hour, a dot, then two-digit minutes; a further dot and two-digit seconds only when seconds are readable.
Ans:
9.41
